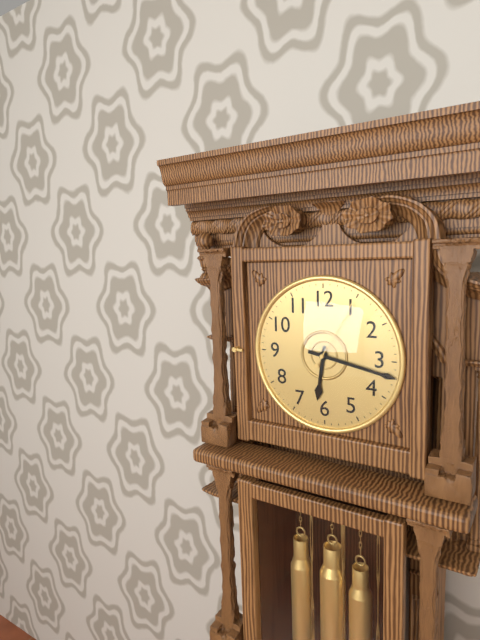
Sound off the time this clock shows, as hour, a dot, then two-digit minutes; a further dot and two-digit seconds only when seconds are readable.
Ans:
6.17.05
